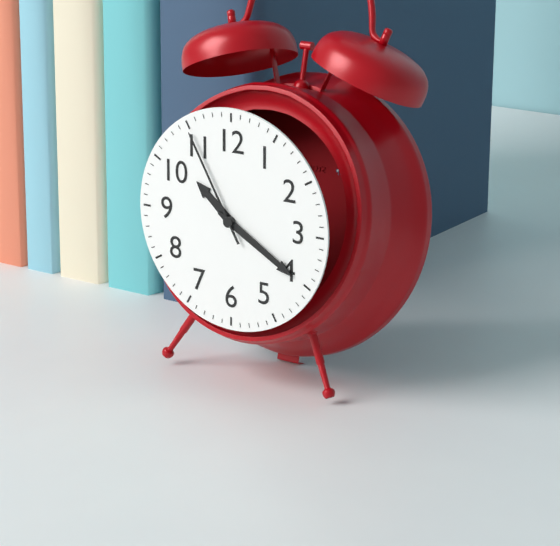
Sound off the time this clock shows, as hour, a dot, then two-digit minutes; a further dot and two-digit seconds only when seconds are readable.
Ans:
10.20.55
